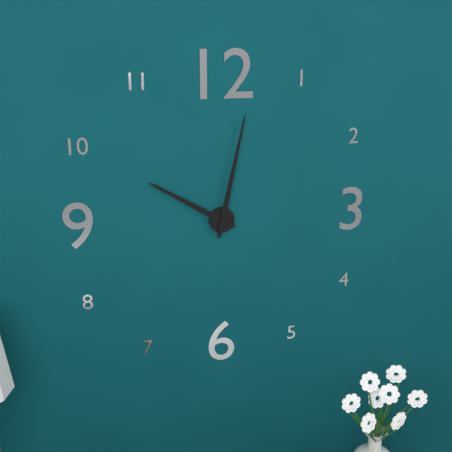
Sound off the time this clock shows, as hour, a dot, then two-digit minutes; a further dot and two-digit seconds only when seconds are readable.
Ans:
10.02
